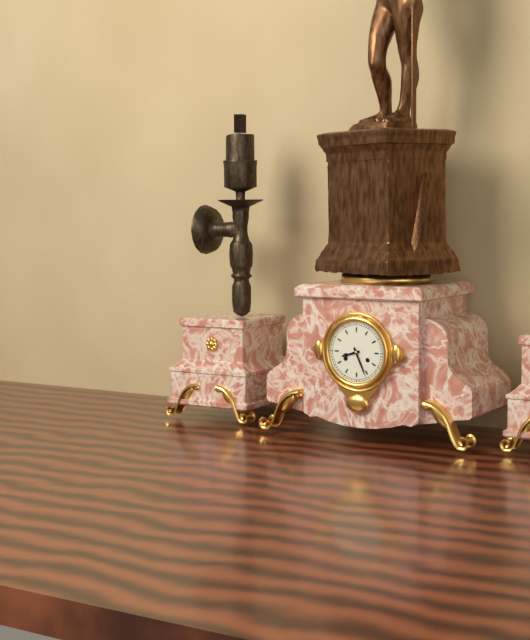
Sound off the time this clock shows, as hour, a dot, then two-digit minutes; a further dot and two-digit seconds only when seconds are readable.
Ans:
8.26
